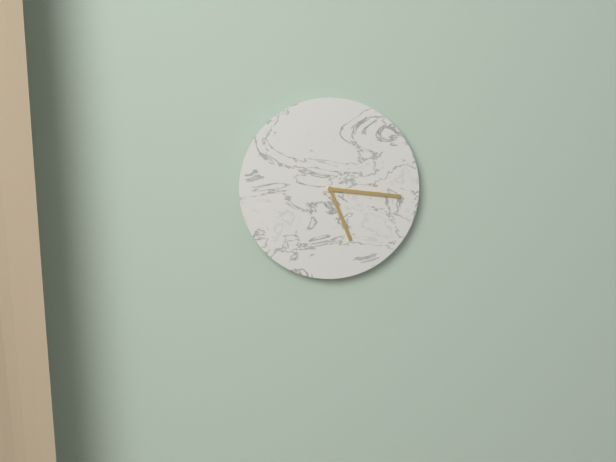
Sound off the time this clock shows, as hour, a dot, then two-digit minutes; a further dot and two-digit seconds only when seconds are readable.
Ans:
5.16
